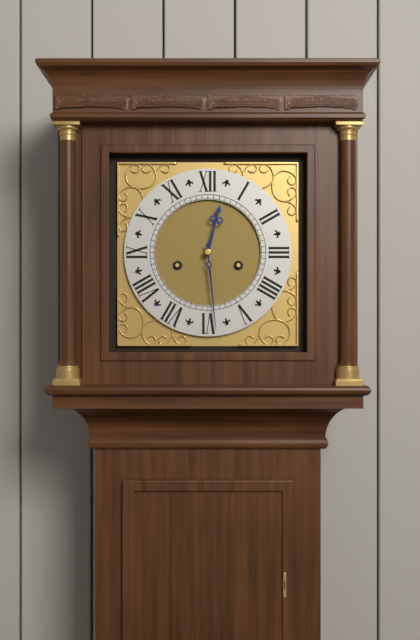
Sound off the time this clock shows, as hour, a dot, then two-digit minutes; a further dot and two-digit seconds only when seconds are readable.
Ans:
12.29
